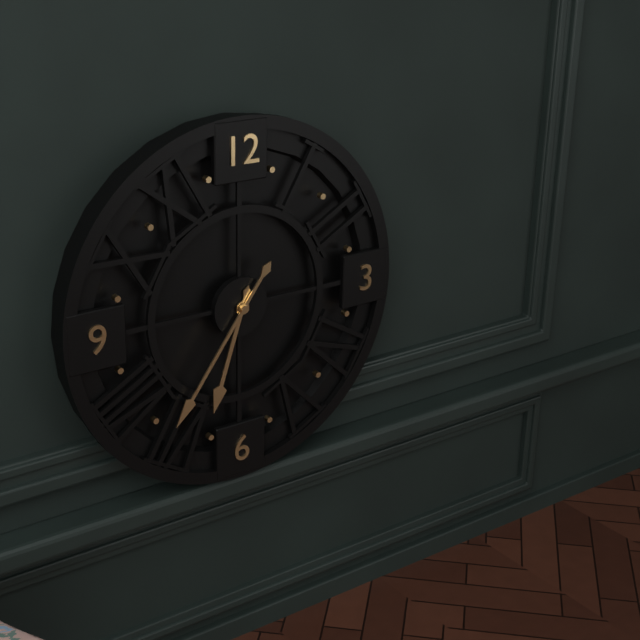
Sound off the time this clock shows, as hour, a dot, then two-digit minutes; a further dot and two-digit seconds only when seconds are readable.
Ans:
6.36
